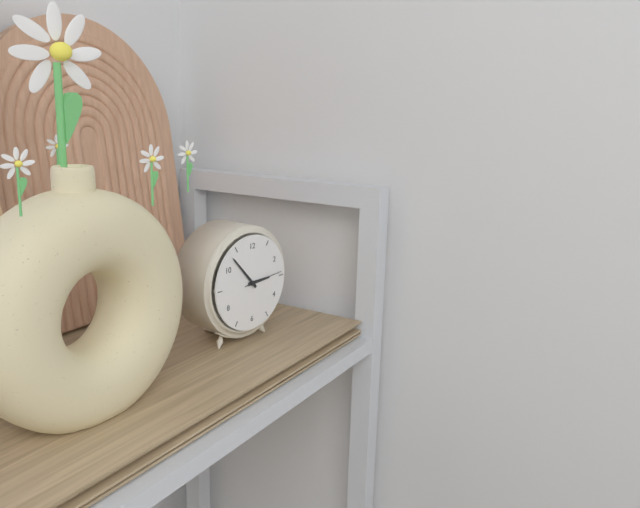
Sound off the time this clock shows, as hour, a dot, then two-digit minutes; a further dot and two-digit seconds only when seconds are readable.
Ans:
2.53
